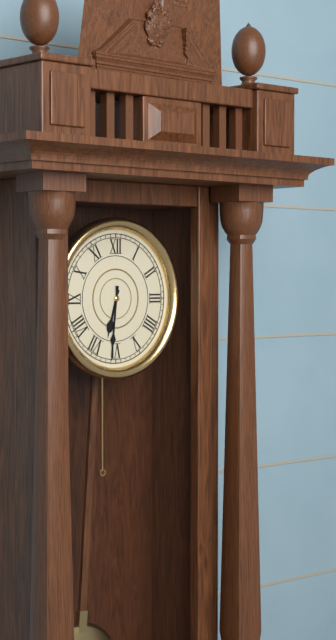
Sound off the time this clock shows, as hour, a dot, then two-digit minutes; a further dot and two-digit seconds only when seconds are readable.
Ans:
6.31
